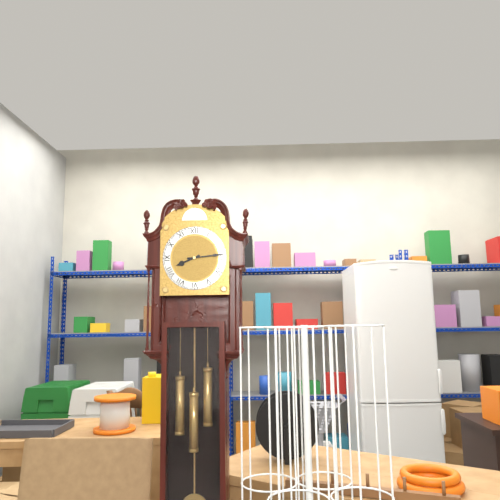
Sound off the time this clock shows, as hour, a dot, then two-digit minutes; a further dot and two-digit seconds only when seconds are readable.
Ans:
8.14
